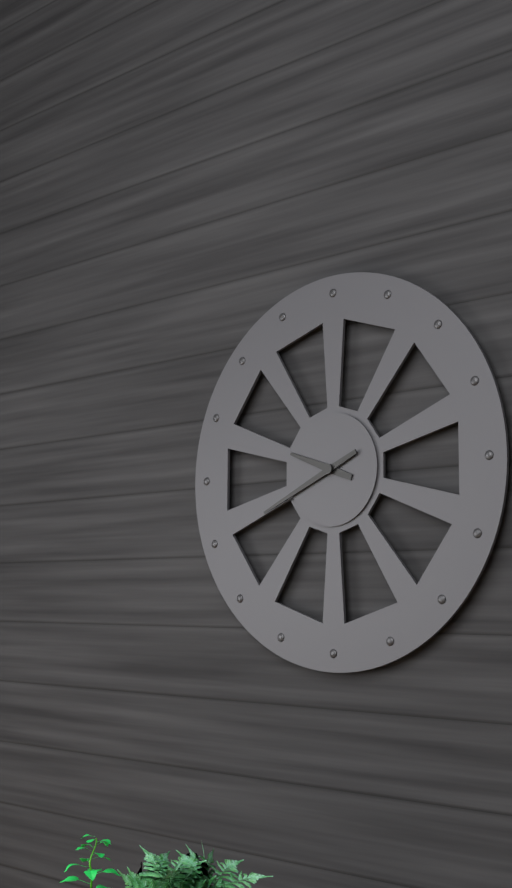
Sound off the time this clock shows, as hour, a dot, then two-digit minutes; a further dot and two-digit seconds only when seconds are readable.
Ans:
9.41
